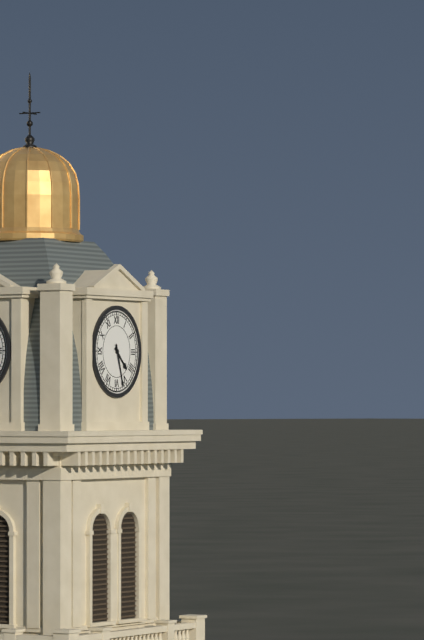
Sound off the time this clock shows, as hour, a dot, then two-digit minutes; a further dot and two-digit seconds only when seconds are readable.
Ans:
4.27
